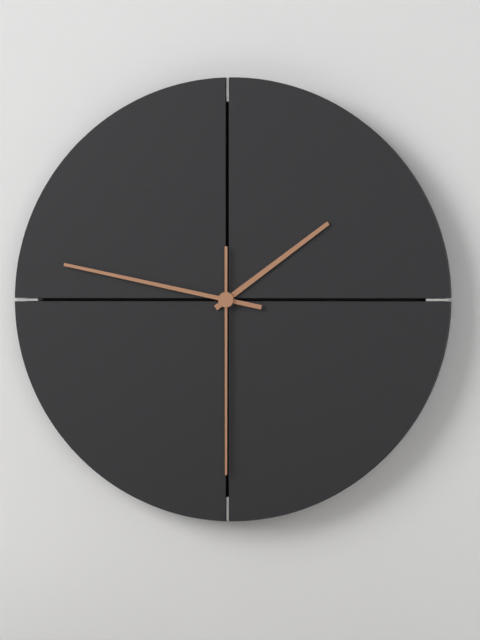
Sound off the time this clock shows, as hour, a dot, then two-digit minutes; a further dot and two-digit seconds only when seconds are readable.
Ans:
1.47.30
